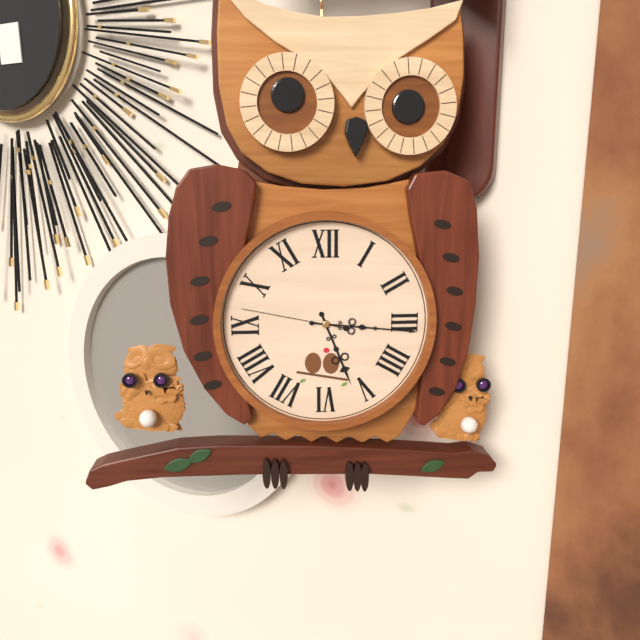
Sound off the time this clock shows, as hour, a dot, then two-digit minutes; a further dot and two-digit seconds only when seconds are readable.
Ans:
5.16.47
